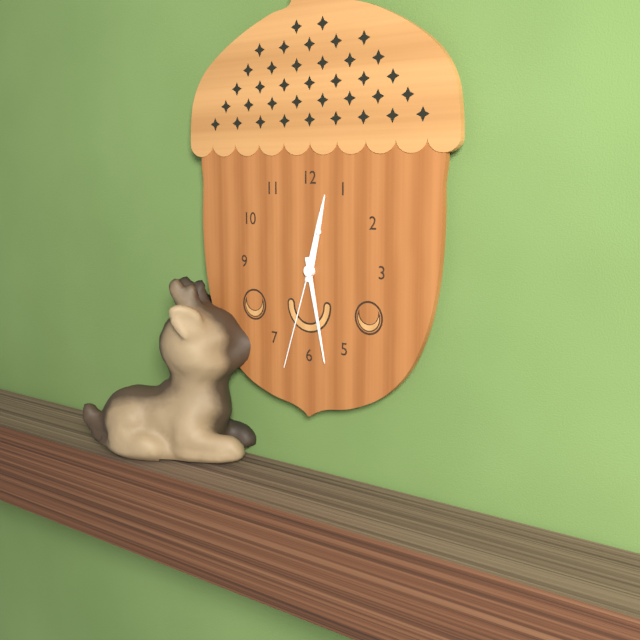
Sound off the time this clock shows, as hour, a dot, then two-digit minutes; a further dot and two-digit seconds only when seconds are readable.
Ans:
12.28.33
